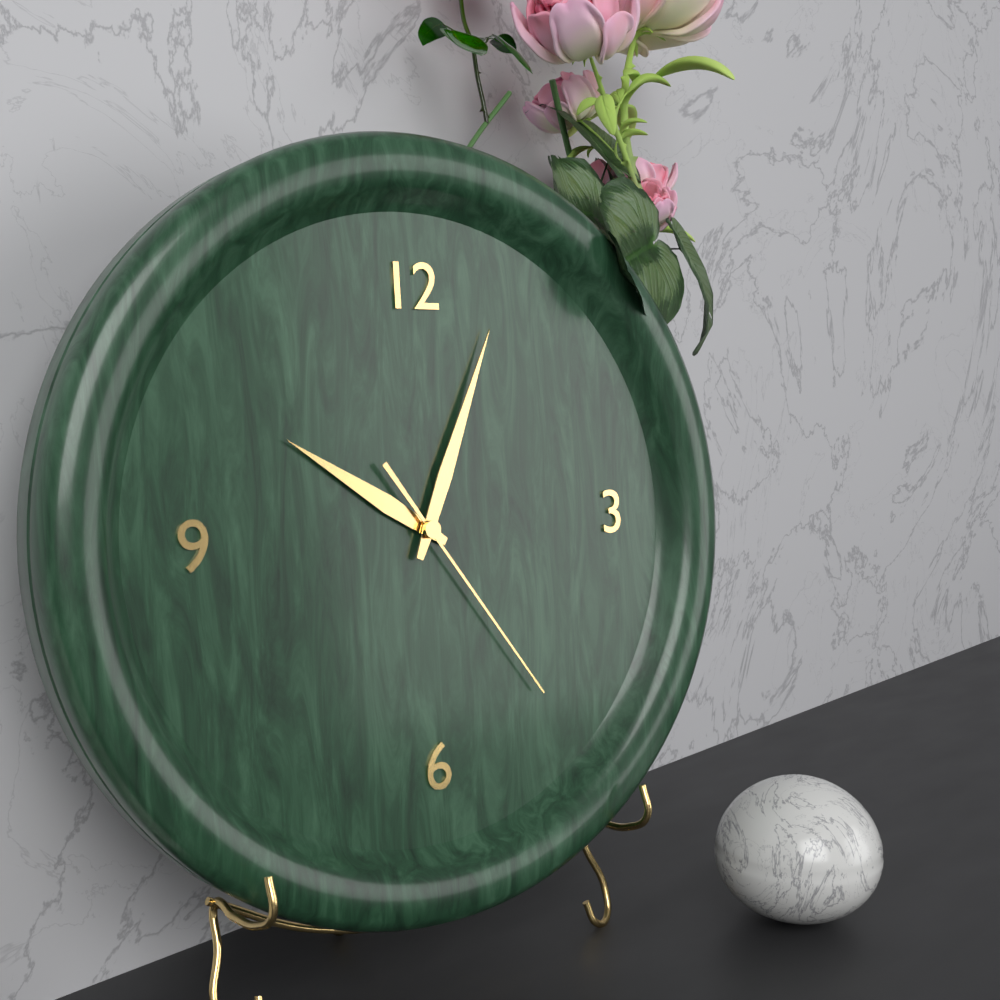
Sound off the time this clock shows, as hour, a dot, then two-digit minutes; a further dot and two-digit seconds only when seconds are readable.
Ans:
10.04.24
